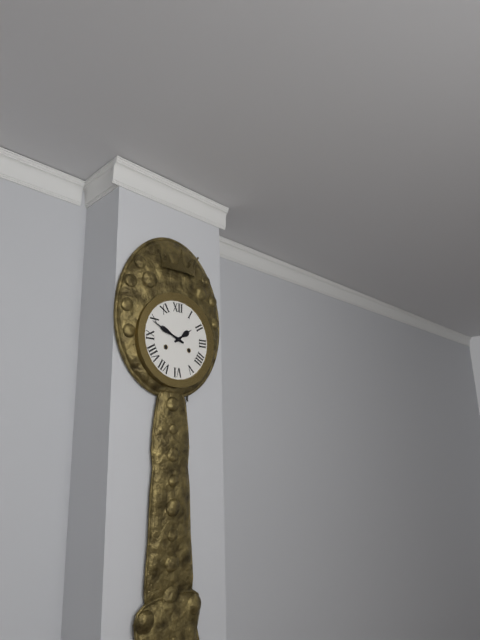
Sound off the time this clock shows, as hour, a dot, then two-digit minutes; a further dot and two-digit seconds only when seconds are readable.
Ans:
1.49
